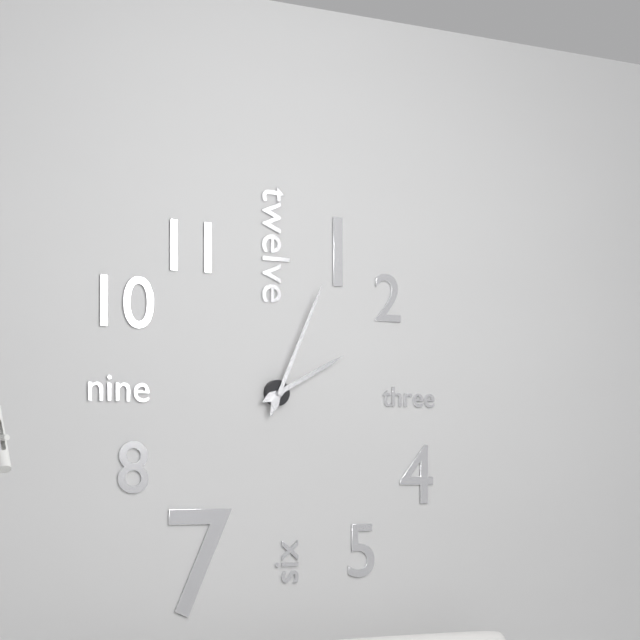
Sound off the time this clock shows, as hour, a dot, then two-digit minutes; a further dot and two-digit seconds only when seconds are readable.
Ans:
2.04
